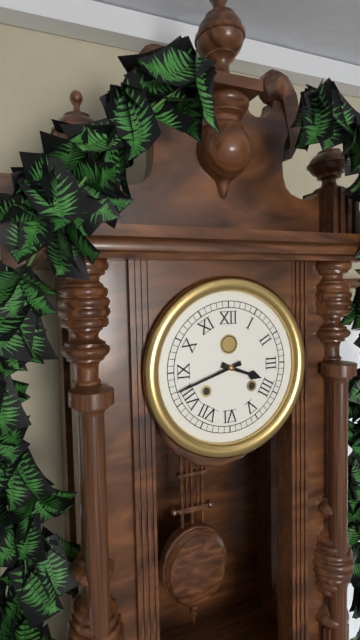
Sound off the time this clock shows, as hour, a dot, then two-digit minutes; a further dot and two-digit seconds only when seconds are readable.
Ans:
3.42
